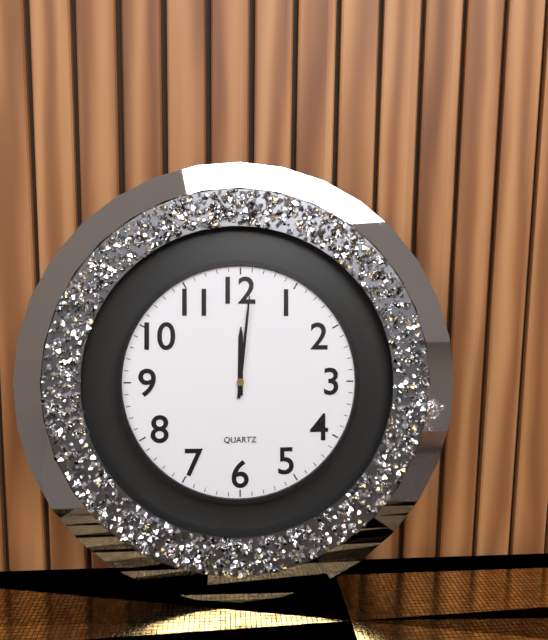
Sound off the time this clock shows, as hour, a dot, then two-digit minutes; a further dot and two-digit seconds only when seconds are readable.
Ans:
12.01
